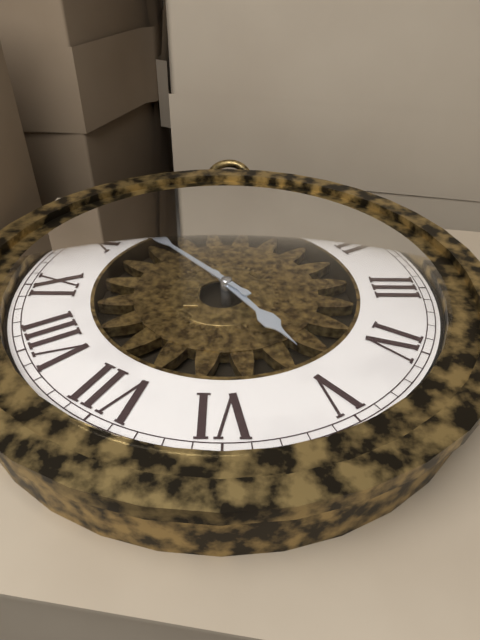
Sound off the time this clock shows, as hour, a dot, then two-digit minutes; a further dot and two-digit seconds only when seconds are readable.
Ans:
4.53
